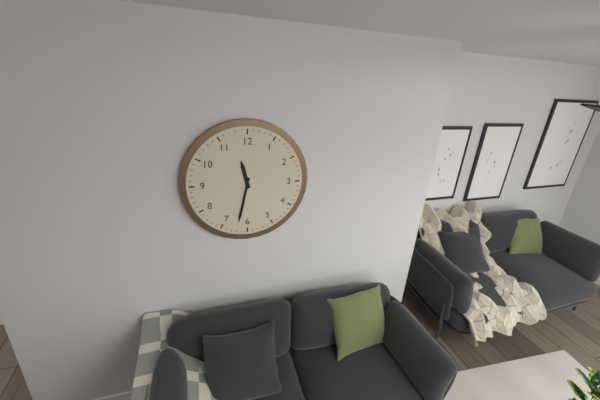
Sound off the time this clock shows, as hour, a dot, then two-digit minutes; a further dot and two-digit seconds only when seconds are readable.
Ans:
11.32
